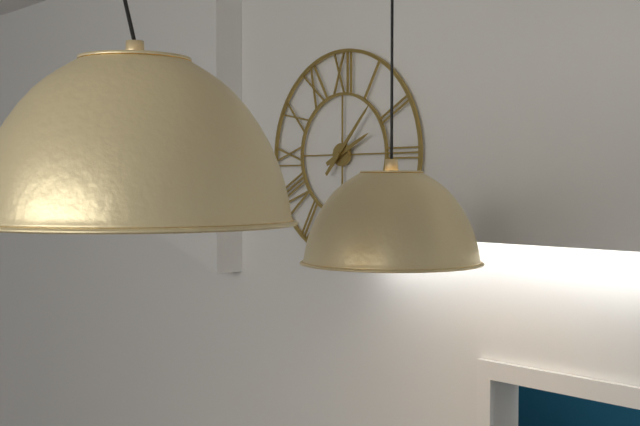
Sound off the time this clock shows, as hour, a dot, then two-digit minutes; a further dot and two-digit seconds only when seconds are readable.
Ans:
2.07
